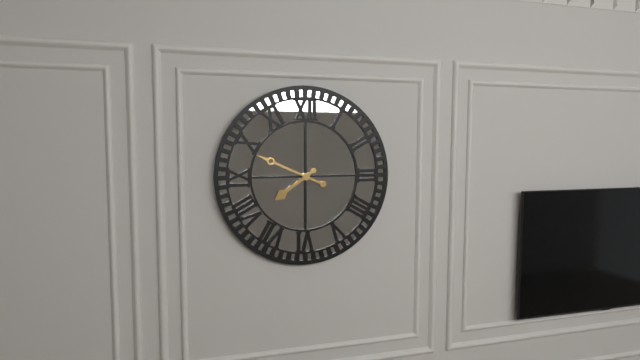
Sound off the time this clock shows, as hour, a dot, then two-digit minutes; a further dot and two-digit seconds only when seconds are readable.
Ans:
7.49
